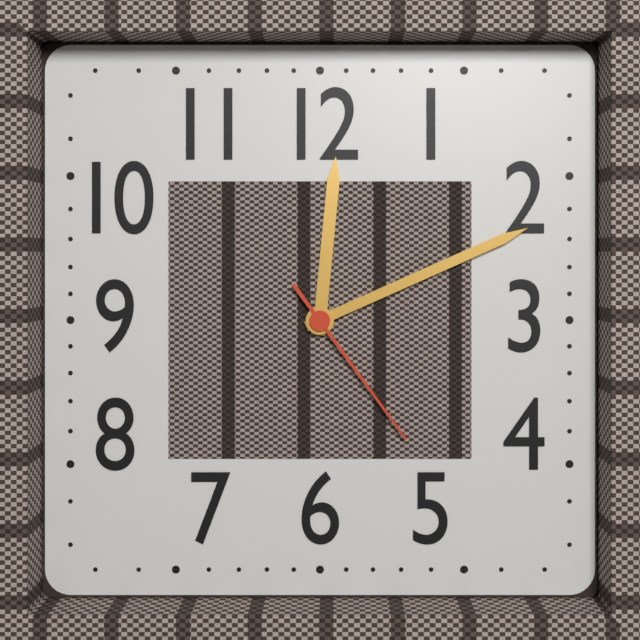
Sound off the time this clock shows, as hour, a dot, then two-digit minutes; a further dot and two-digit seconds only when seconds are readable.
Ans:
12.11.24
